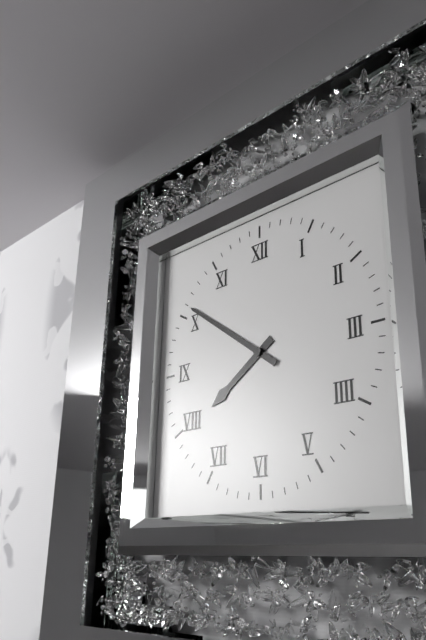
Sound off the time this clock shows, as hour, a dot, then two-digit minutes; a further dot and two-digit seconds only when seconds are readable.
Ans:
7.51
